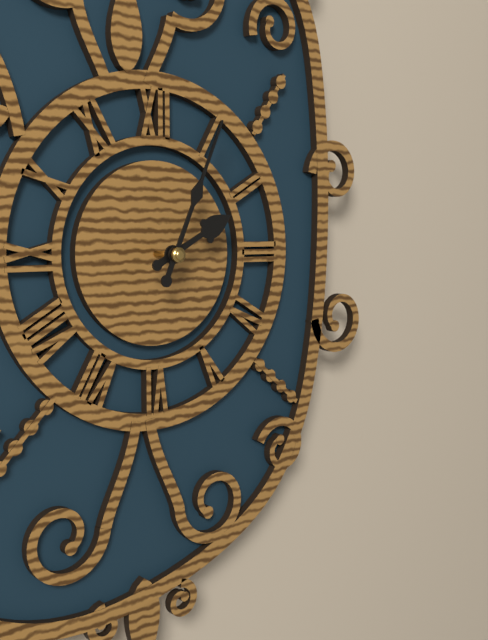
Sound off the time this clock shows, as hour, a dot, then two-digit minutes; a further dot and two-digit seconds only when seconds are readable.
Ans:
2.04
